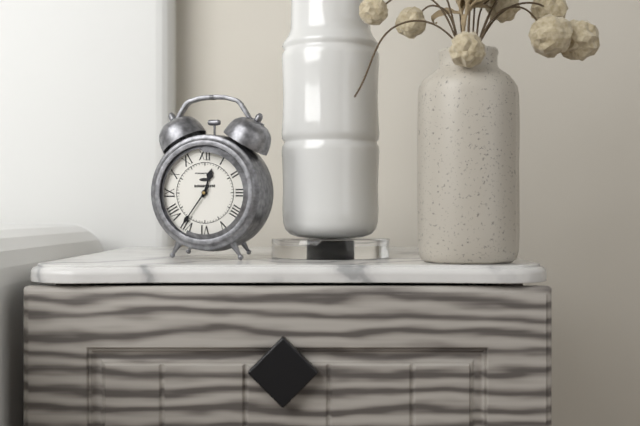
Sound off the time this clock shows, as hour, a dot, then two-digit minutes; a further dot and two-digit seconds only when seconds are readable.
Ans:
12.36
